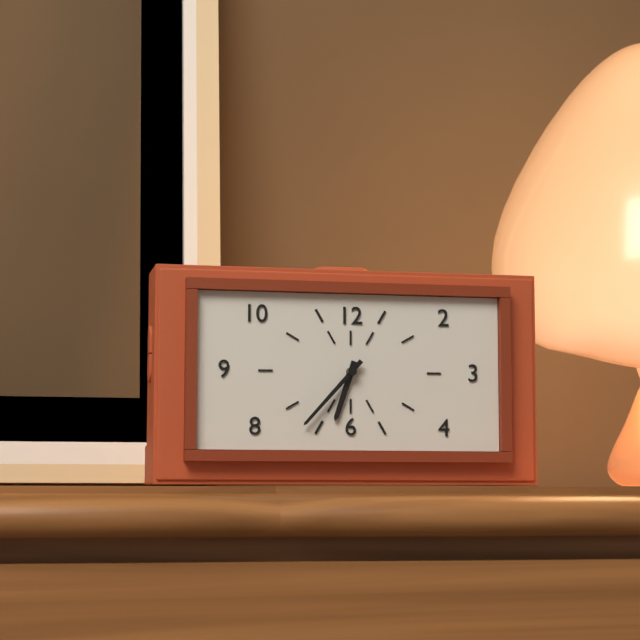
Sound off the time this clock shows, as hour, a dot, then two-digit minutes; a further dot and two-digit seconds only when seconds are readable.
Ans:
6.37
